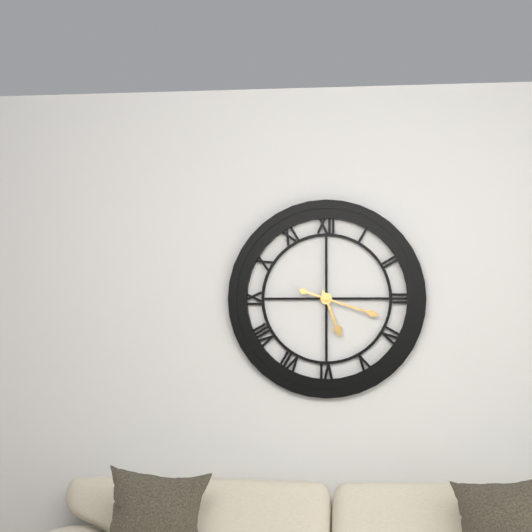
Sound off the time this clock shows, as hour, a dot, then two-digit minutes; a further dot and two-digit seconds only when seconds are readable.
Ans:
5.18
